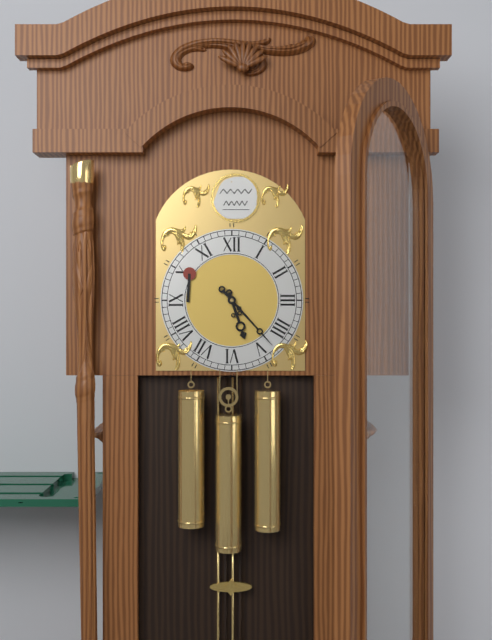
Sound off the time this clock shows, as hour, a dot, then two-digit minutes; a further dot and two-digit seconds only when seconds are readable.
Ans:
5.23
